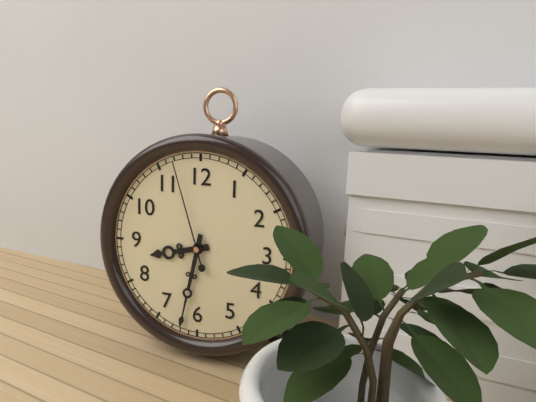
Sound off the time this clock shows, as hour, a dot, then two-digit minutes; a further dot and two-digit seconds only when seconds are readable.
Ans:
8.32.57
